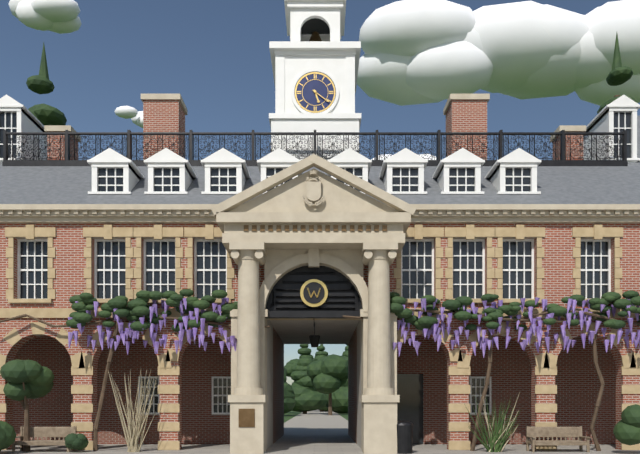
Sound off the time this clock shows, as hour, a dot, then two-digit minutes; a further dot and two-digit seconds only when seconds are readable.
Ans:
5.21
